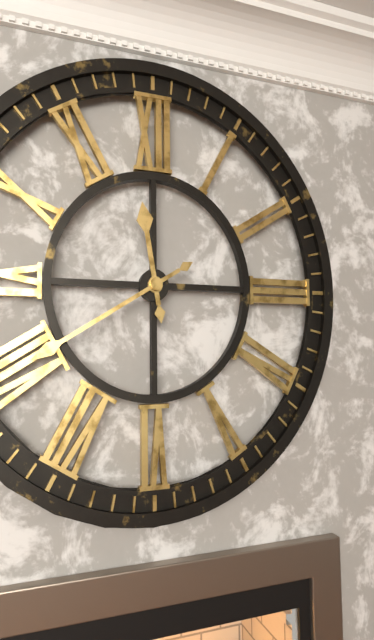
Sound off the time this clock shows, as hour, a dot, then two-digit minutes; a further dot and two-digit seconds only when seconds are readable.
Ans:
11.40
